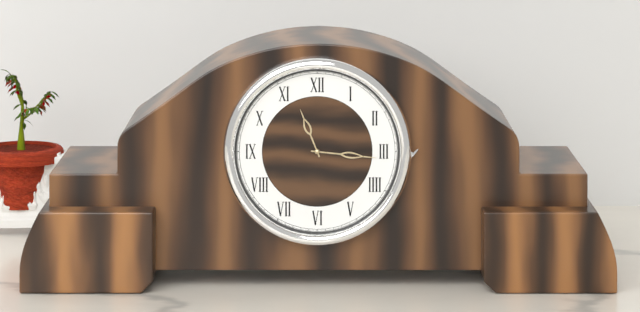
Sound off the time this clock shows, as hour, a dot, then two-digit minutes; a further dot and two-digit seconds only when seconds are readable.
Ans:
11.16
